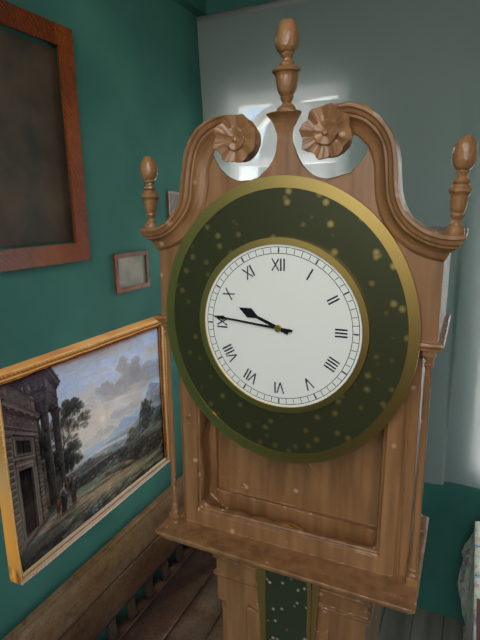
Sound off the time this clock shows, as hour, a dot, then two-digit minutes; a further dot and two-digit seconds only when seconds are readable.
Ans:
9.46
